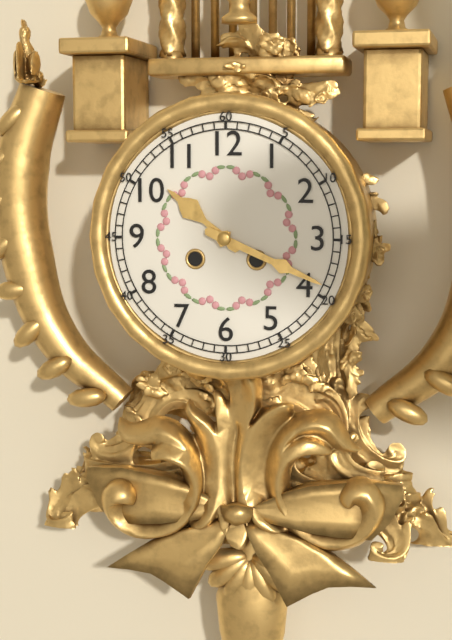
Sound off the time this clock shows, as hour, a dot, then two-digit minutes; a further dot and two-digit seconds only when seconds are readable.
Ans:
10.19
